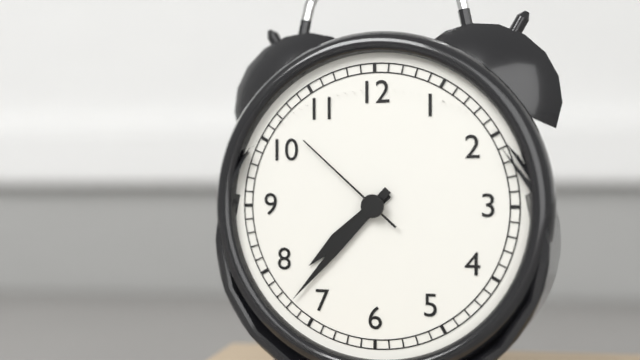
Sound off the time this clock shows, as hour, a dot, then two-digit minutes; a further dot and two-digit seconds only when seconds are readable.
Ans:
7.37.52
